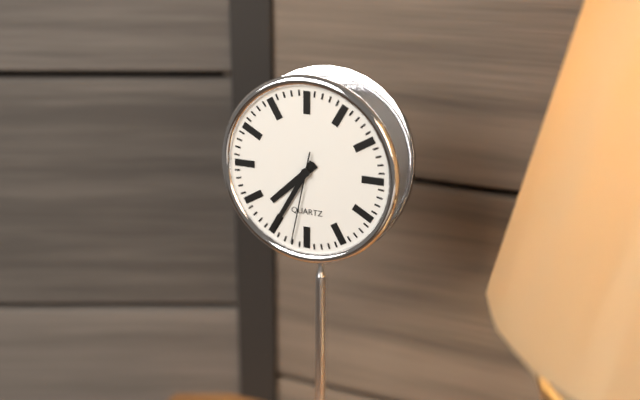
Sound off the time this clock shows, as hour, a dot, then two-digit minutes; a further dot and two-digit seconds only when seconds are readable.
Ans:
7.35.32
